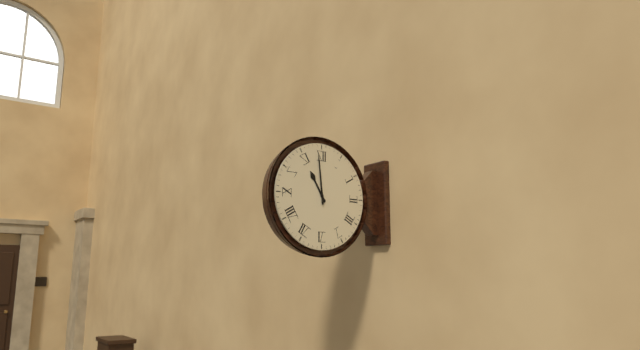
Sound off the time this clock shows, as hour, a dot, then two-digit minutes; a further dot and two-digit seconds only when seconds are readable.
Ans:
10.59
